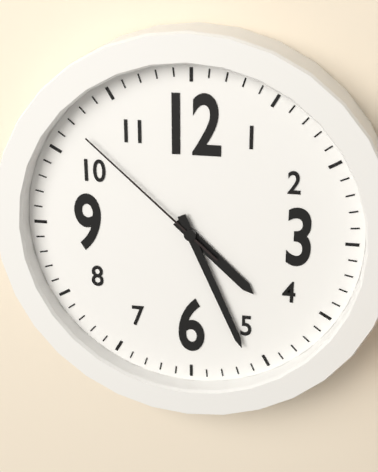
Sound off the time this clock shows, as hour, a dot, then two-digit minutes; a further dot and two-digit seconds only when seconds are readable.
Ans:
4.26.52
